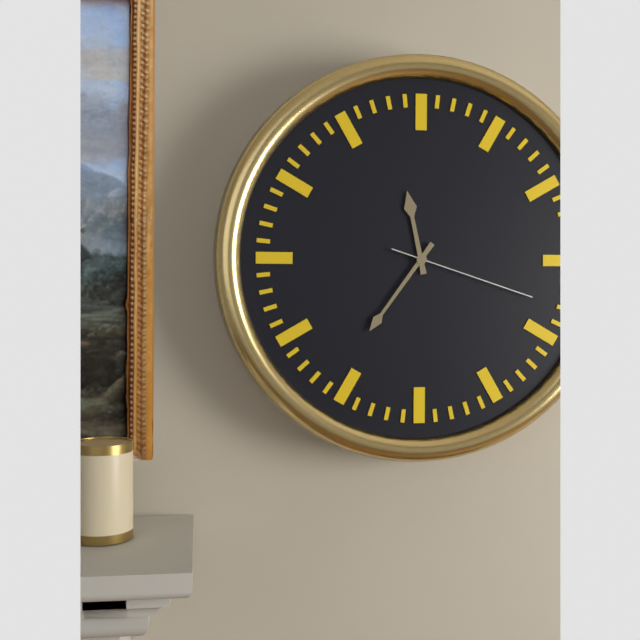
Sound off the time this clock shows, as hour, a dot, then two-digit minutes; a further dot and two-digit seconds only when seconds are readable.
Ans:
11.36.18
